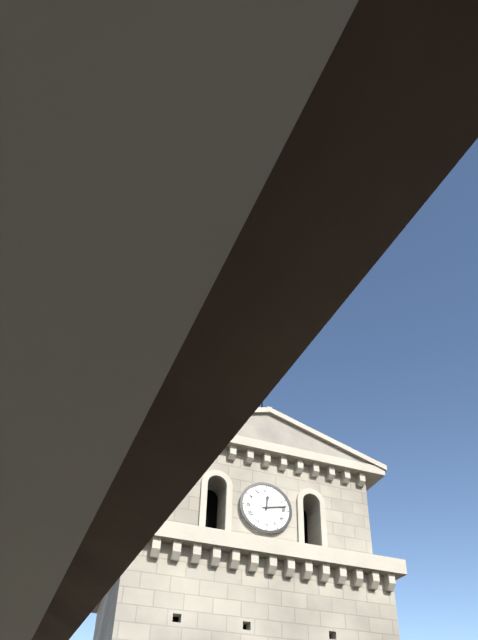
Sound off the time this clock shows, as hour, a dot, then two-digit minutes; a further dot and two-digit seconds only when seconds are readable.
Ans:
12.13
